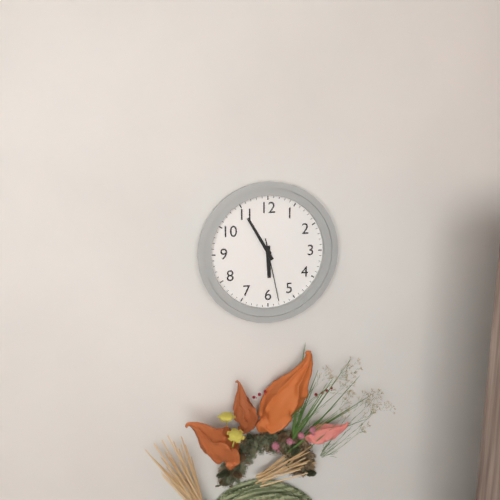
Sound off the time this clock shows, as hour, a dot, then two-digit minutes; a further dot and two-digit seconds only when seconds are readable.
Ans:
5.55.28
